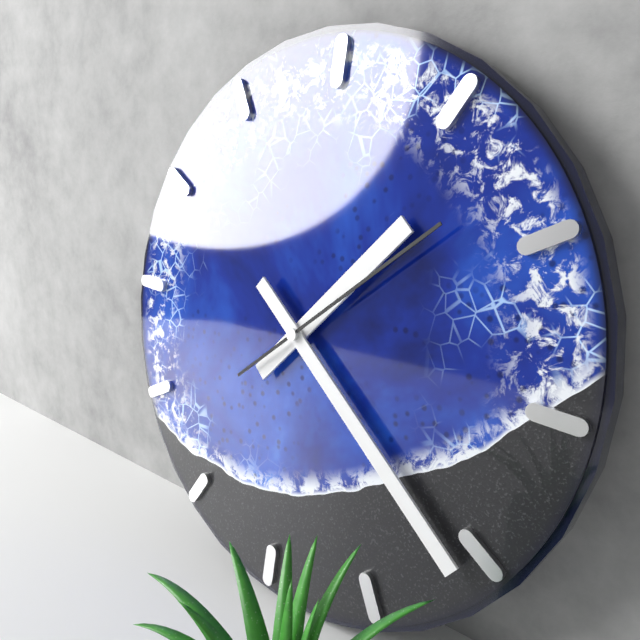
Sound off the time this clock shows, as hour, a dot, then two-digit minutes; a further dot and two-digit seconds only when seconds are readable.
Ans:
1.21.08
